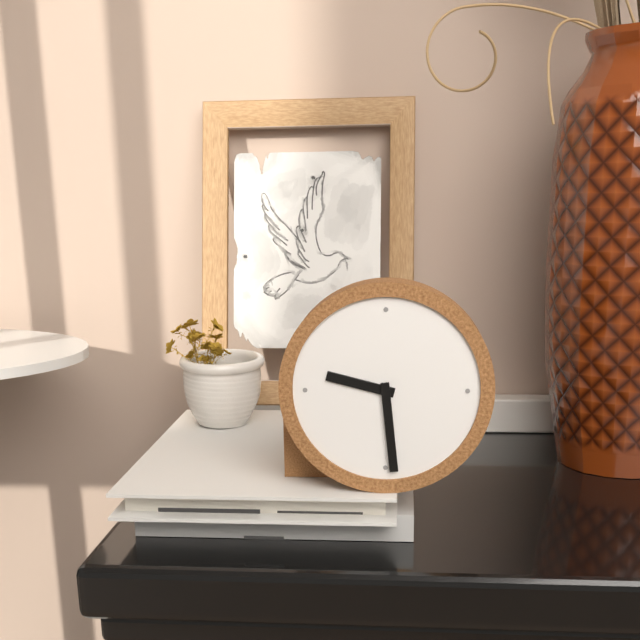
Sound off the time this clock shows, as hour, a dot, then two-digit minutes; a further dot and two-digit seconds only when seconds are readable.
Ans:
9.29
